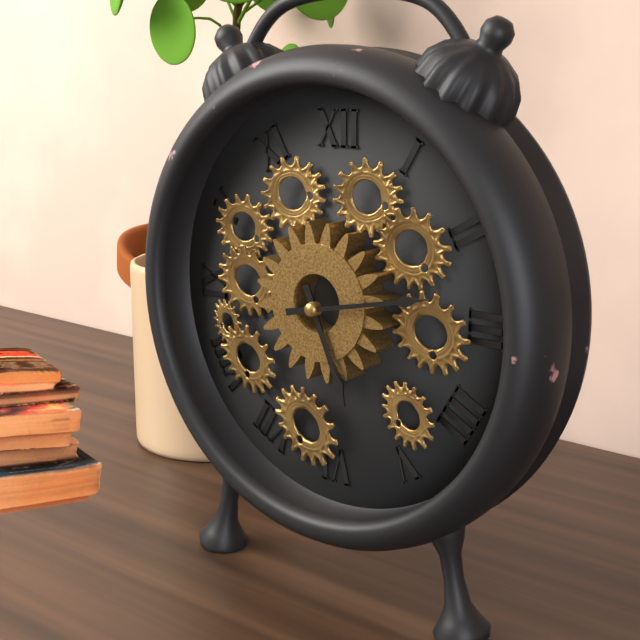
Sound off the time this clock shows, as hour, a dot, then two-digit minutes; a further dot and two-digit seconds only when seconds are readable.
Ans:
5.13
